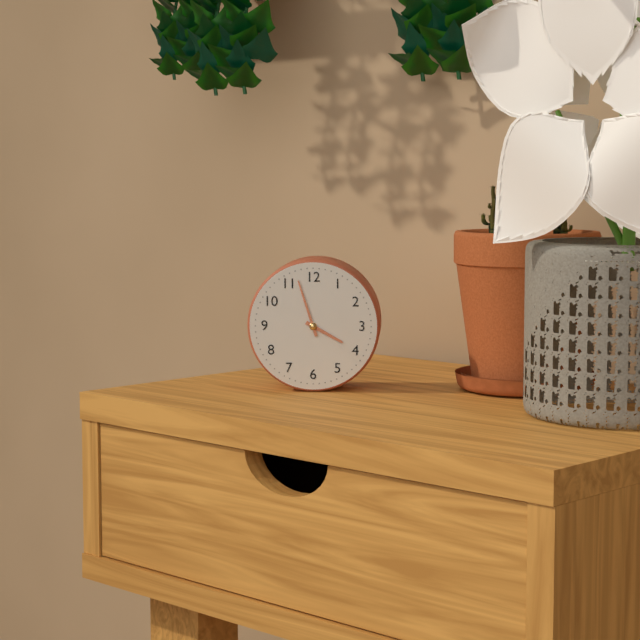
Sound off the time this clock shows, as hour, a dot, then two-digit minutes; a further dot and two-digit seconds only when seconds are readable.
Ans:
3.57
